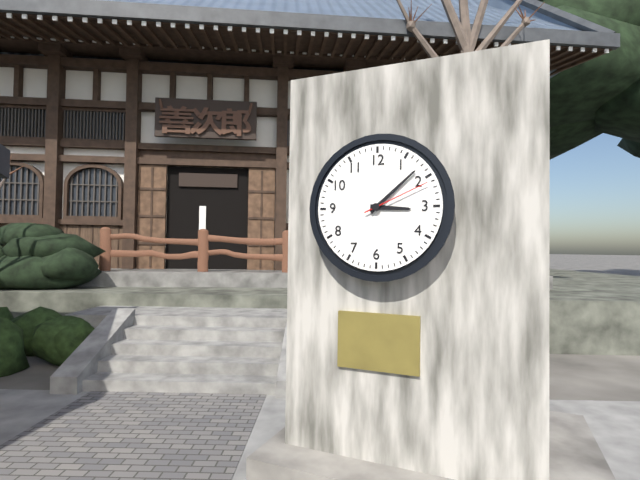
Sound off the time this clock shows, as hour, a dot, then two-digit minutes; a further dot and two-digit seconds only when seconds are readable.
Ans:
3.08.11
